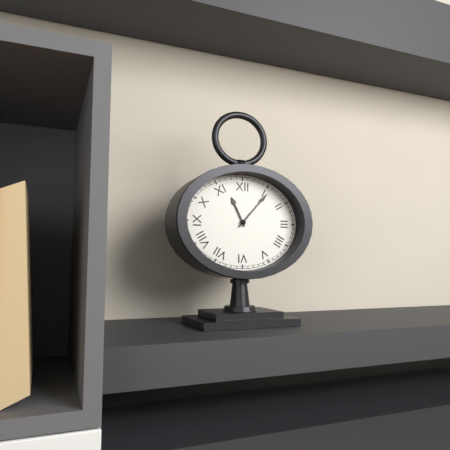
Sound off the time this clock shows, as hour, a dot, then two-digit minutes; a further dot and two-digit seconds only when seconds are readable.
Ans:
11.07
